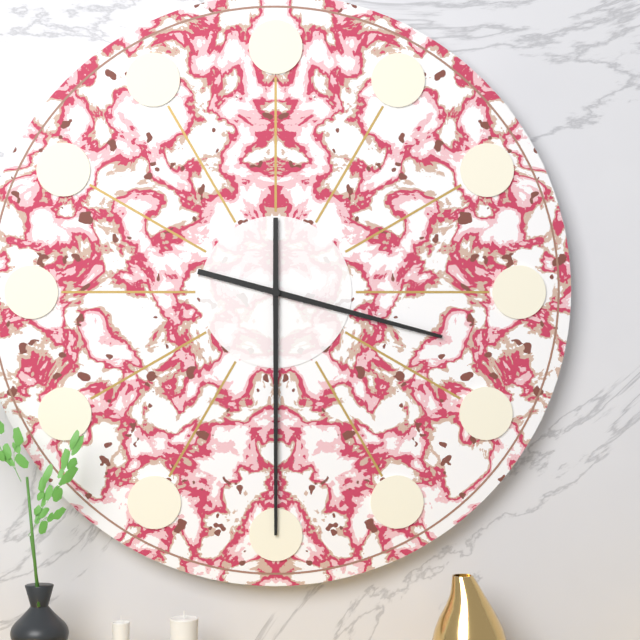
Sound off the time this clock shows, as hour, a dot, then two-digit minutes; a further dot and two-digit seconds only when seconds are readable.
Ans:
3.30
